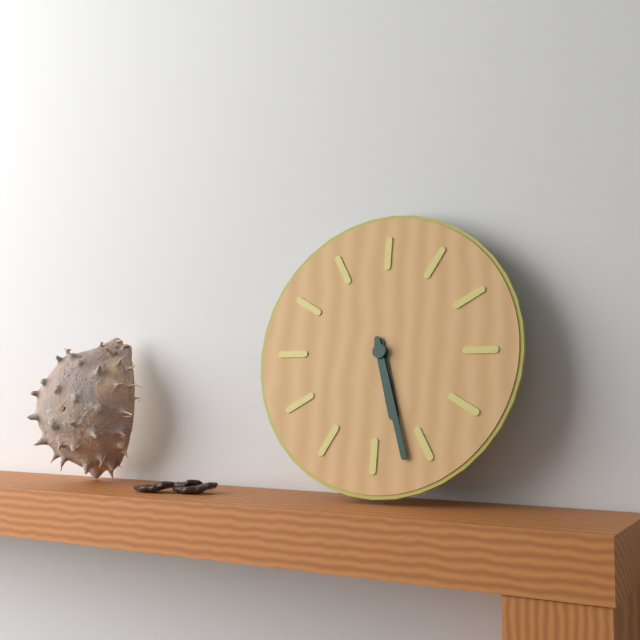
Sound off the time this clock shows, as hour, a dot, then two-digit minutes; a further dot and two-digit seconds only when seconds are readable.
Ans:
5.27
